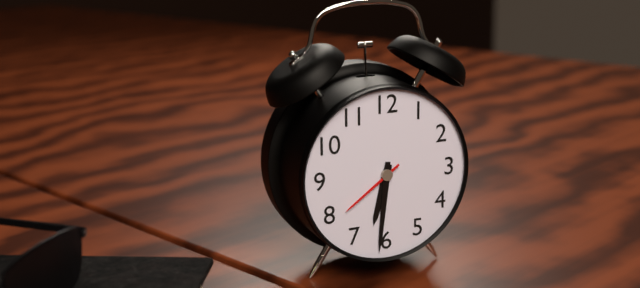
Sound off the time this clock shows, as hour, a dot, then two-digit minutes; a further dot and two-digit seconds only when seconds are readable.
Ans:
6.31.39
